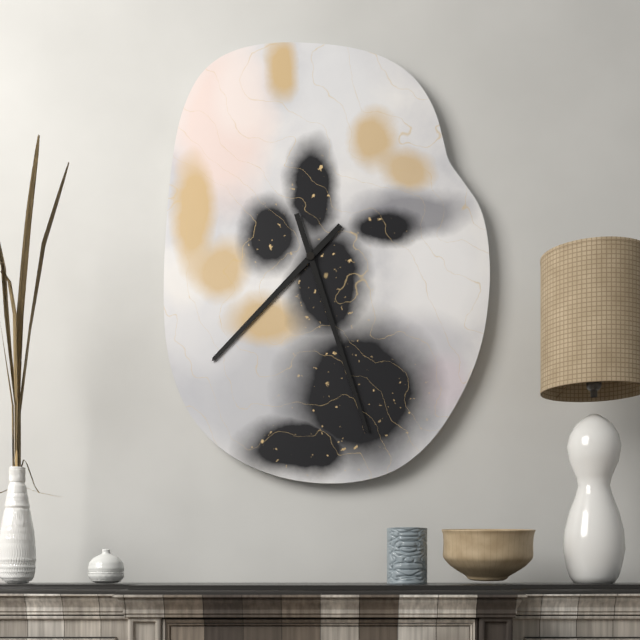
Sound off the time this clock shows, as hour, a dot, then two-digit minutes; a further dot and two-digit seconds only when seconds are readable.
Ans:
7.27
